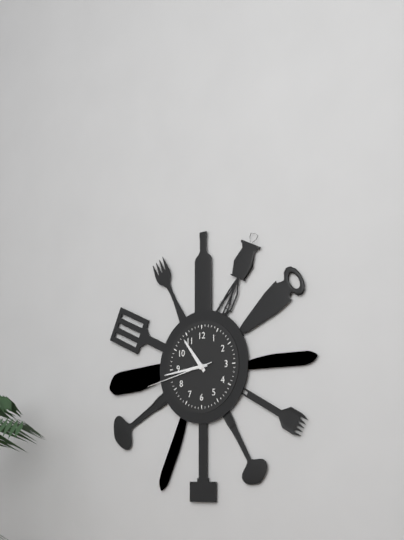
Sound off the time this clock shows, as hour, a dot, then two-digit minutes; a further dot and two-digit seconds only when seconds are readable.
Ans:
10.44.43
